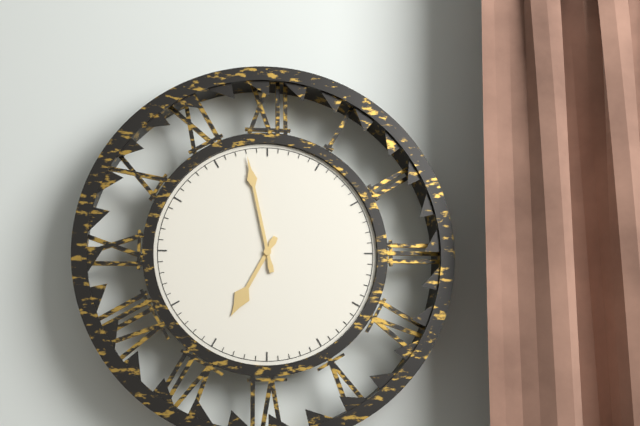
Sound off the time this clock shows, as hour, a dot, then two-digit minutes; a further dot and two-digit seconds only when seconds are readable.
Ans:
6.58
